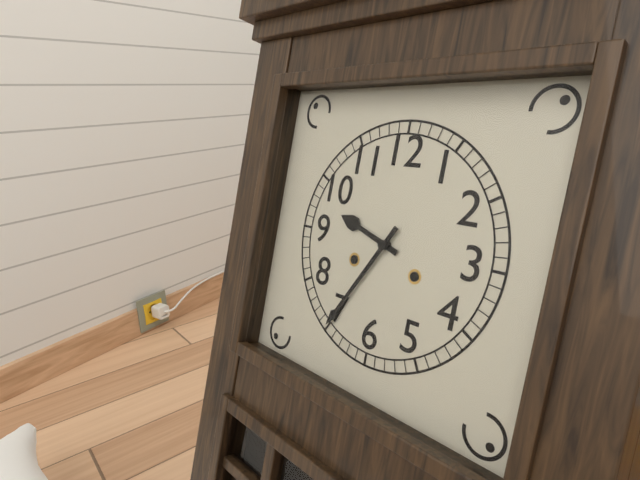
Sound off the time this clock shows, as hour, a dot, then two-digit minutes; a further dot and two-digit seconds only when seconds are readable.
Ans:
9.35
